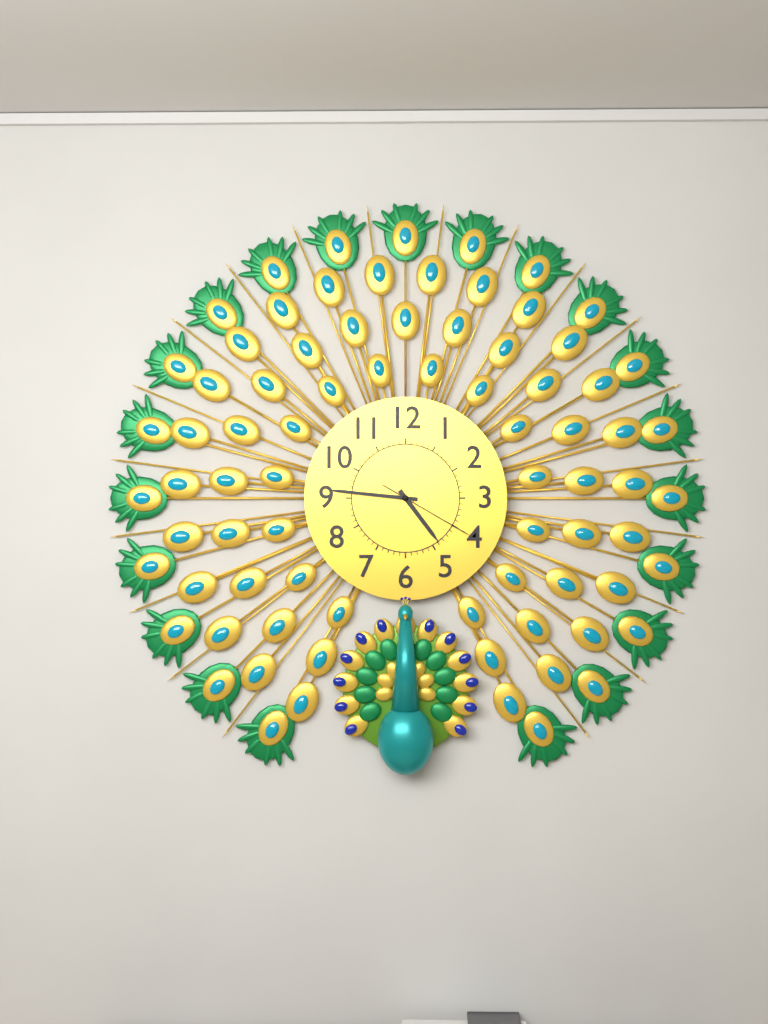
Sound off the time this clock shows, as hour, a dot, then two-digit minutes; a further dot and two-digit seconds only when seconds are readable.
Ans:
4.46.20
